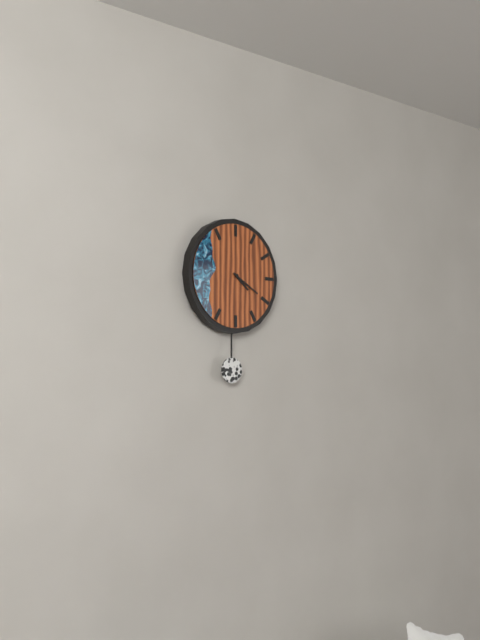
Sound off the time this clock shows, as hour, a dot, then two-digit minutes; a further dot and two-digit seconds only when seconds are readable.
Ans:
4.20
